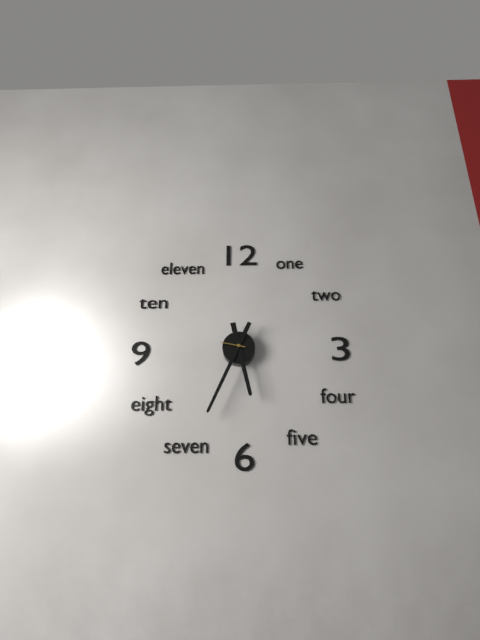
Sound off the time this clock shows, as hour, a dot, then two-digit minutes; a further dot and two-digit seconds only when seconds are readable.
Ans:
5.34
